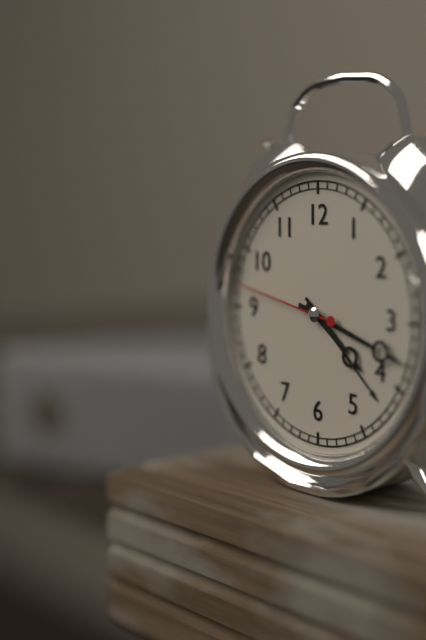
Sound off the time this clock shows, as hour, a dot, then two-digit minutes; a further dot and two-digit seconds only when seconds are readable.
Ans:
4.18.47
